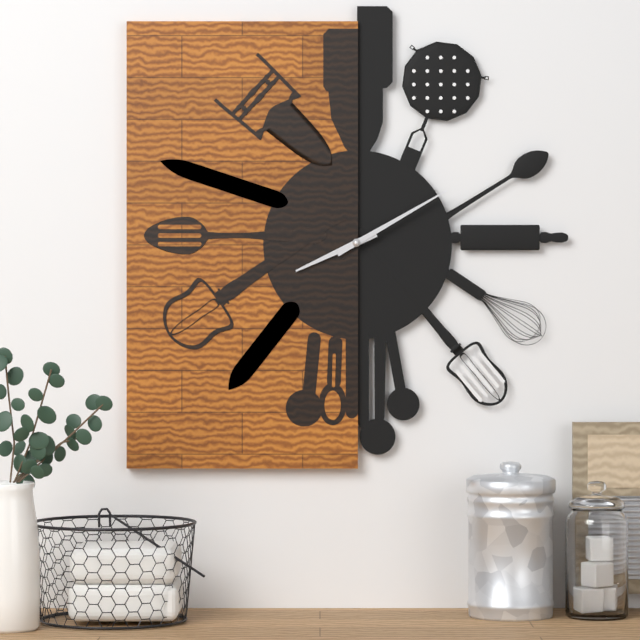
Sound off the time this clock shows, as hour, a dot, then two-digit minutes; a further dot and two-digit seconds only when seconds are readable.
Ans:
8.10
